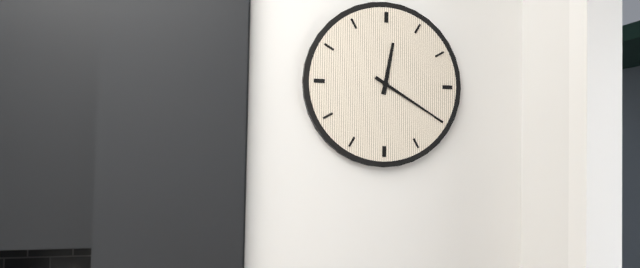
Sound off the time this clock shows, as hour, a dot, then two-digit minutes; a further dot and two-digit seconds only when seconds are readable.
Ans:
12.20
